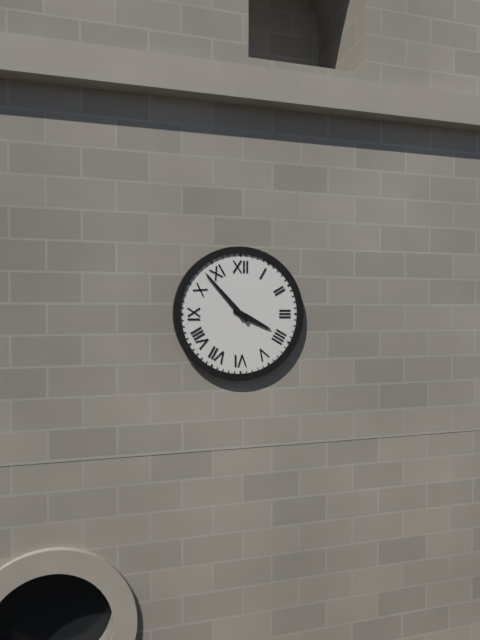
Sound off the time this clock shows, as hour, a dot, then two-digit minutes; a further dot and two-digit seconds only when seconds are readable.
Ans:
3.53
